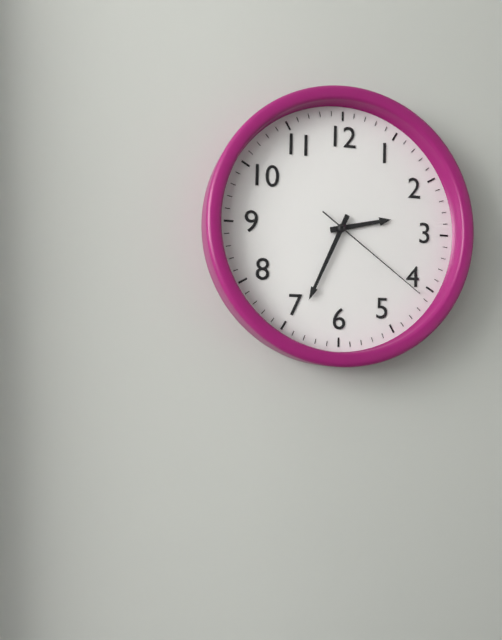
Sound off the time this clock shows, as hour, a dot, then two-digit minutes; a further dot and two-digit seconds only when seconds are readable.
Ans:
2.34.21
